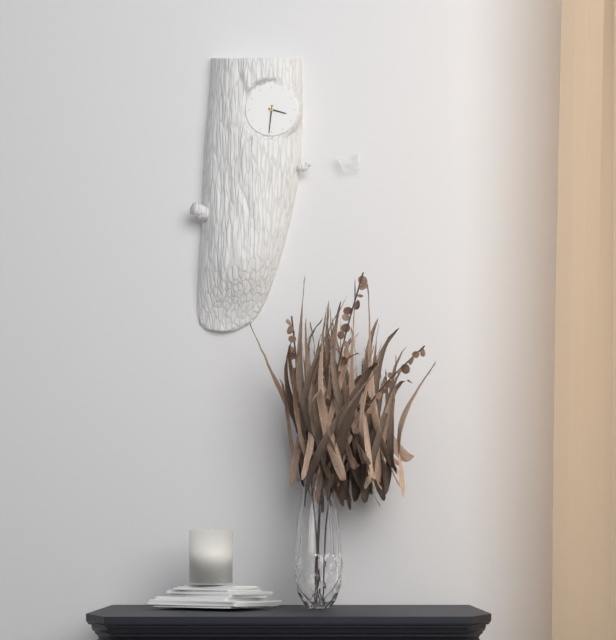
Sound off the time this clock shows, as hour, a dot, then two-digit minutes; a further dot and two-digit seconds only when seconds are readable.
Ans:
3.31
